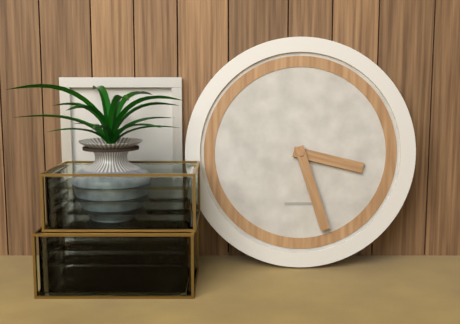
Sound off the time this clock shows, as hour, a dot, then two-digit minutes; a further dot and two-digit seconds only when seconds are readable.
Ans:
3.27
